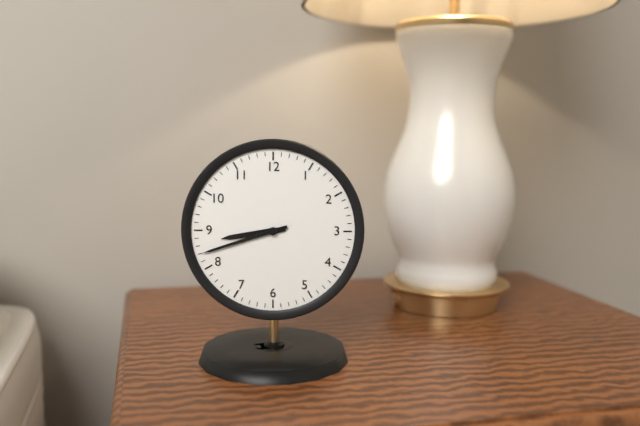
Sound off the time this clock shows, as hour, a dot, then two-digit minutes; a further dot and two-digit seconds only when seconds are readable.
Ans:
8.42
